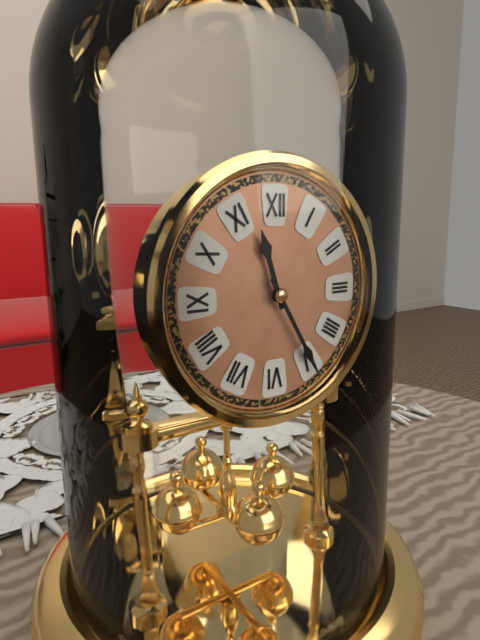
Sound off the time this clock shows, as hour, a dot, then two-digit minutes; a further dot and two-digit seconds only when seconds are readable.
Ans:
11.25
